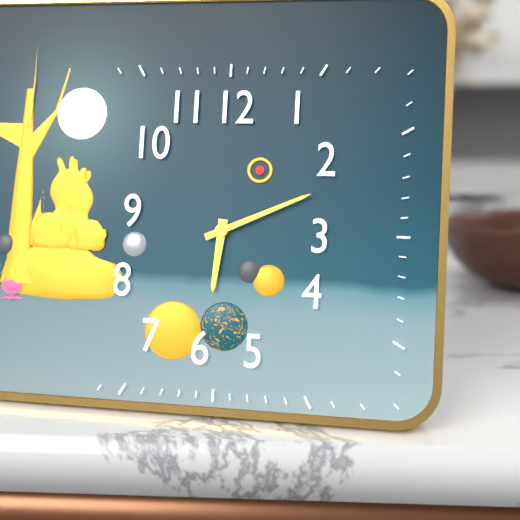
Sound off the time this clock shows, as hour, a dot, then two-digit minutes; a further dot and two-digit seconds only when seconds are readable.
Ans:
6.11
